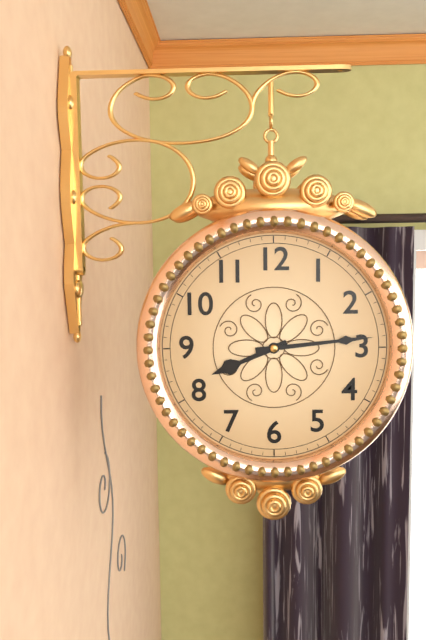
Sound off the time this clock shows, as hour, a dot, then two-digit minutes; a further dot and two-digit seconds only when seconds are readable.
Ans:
8.14
